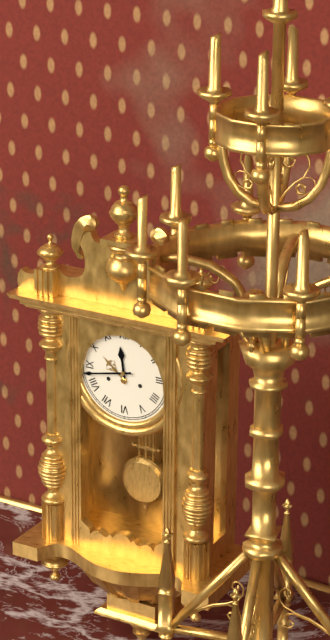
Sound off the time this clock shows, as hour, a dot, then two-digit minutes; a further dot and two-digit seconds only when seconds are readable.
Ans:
11.43
